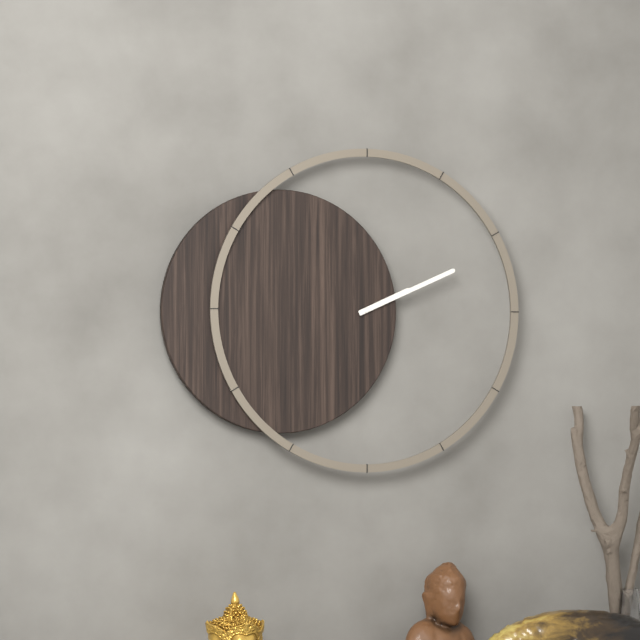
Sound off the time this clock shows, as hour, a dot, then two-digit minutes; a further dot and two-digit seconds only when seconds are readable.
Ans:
2.11
